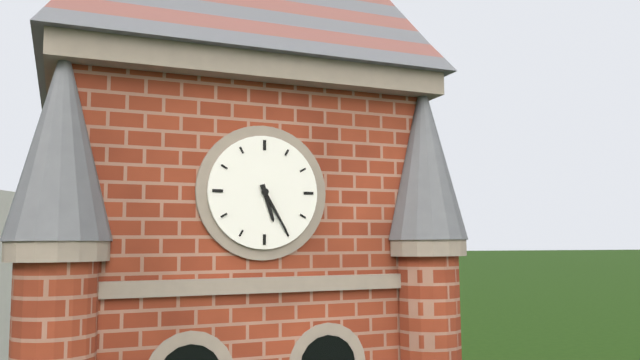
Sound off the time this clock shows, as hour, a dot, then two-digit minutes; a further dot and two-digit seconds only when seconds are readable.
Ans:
5.25
